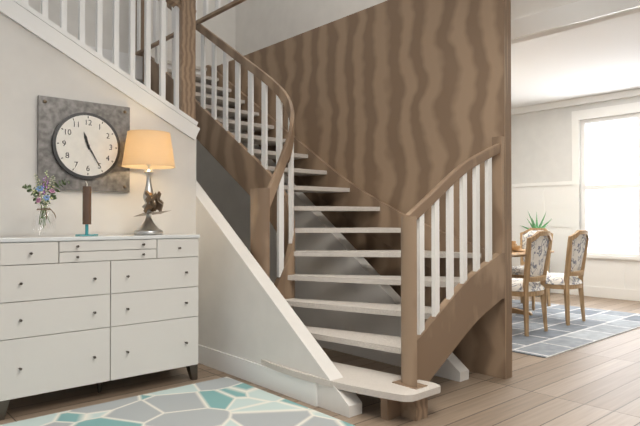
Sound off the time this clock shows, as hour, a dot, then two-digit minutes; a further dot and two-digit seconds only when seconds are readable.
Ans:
11.25
